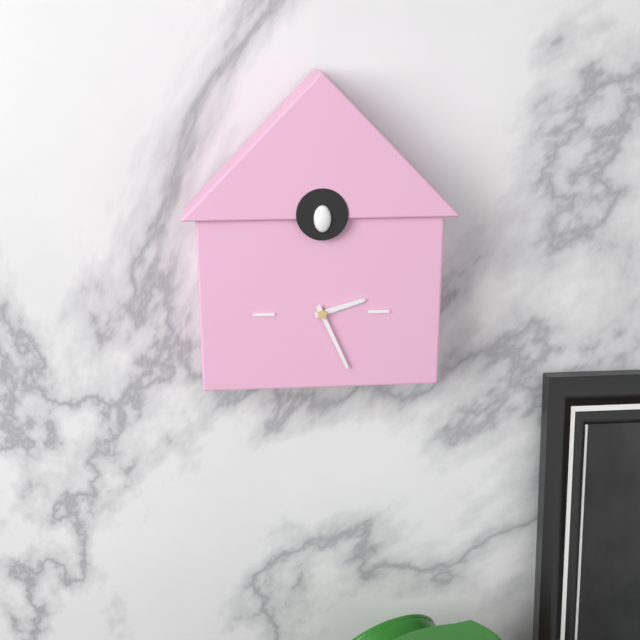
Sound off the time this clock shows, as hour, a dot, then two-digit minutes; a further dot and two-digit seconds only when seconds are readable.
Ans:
2.26
